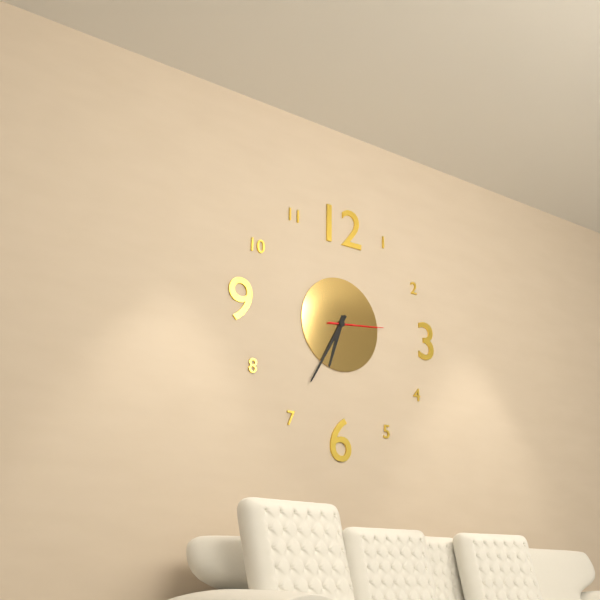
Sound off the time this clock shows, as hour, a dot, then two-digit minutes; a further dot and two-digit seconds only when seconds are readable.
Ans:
6.35.14
